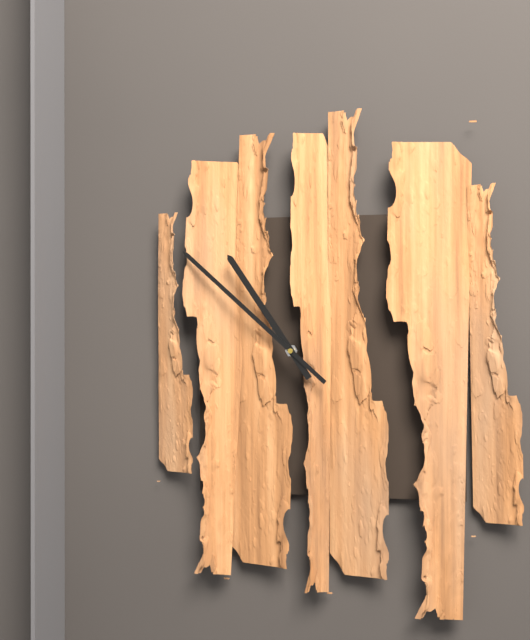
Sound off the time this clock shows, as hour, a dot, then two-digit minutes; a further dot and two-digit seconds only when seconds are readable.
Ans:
10.52
